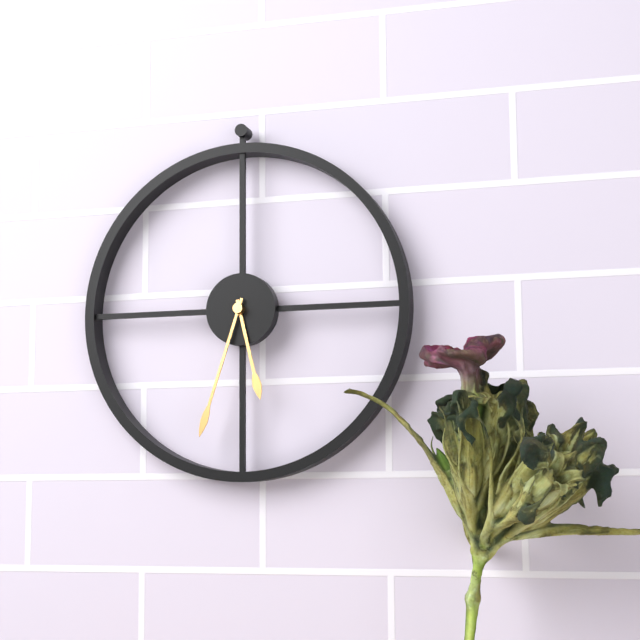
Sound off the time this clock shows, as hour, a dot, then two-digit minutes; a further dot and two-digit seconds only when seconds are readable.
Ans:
5.33
